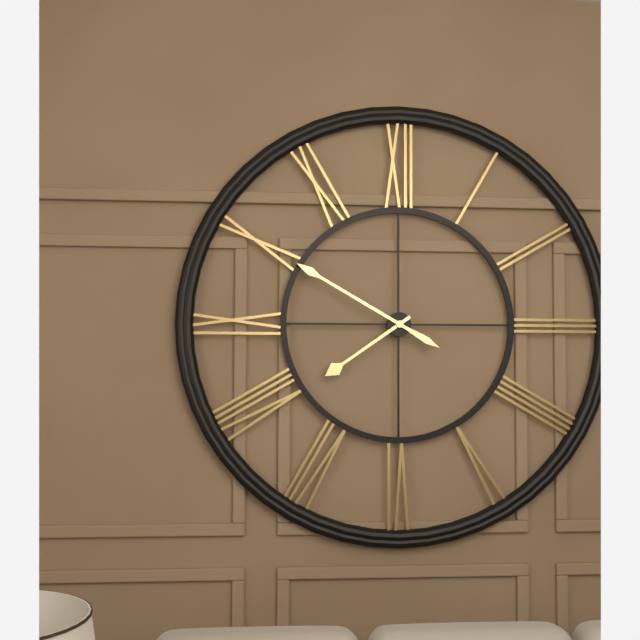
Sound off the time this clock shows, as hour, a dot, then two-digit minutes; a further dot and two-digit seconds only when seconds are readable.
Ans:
7.50
